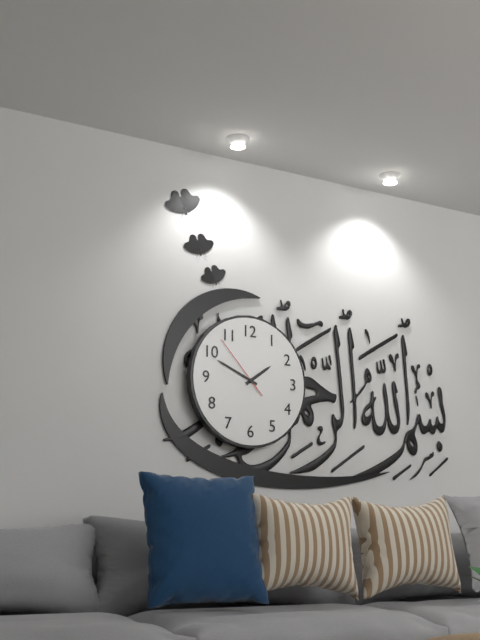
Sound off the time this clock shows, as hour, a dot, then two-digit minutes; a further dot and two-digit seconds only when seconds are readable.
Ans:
1.49.53
